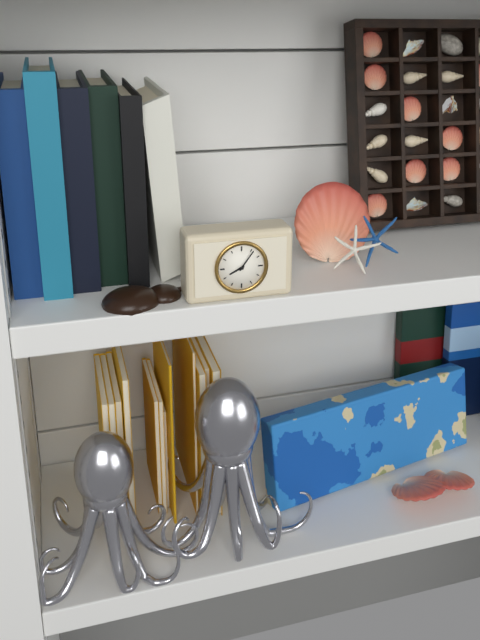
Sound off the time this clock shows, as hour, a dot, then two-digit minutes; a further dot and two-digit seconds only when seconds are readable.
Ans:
8.06
